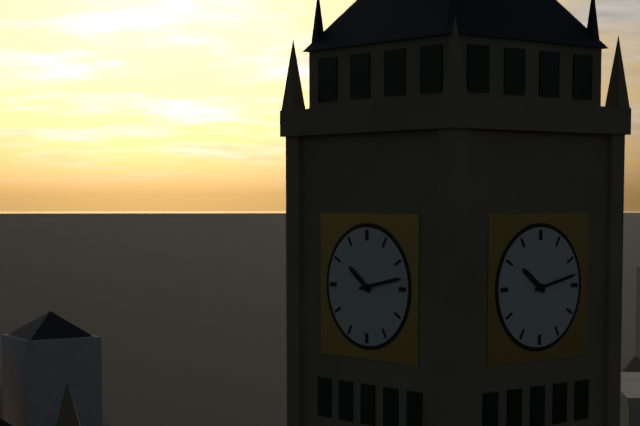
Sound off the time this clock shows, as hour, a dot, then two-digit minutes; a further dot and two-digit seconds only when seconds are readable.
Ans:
10.13
